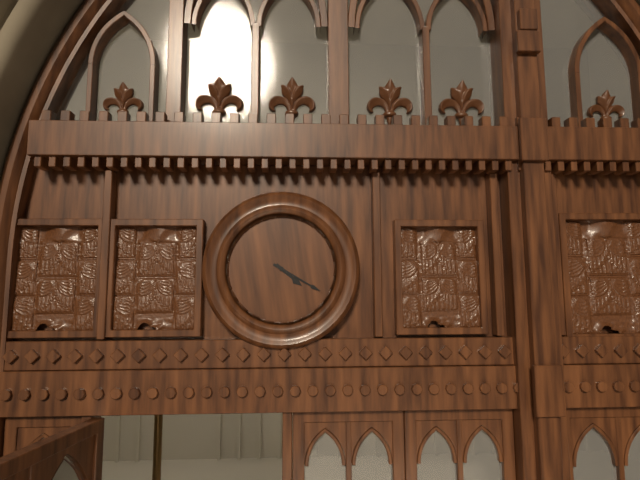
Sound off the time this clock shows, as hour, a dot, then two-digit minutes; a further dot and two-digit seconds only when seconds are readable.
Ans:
4.20
